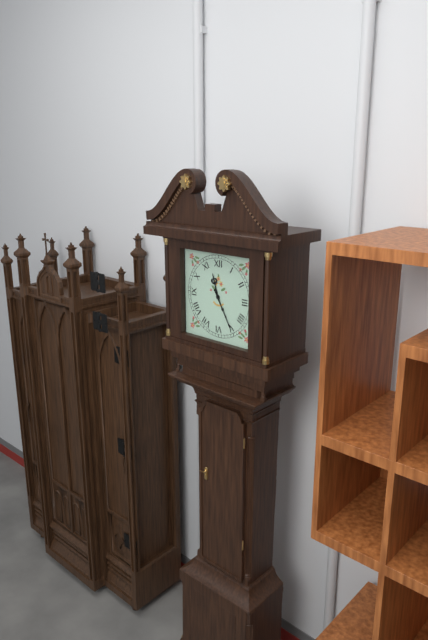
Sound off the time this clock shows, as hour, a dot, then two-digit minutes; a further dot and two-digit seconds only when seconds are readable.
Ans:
11.25
